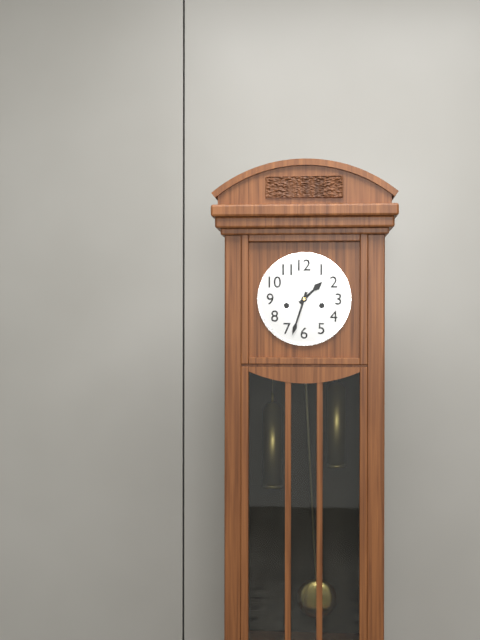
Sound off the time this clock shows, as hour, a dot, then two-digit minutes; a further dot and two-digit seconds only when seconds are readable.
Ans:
1.33
